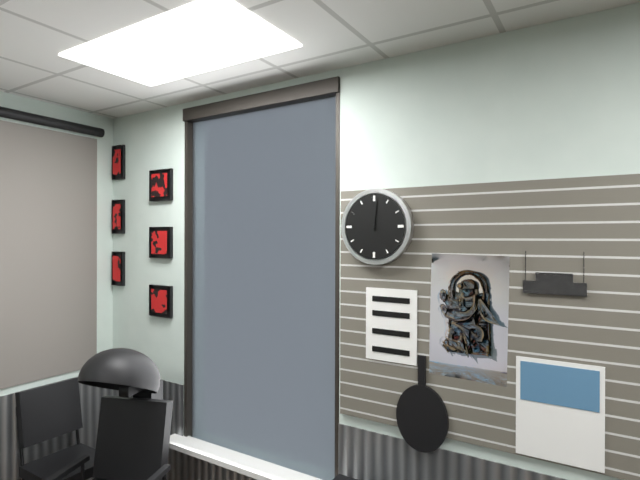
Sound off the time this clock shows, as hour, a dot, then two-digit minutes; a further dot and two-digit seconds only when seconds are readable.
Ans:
12.01
